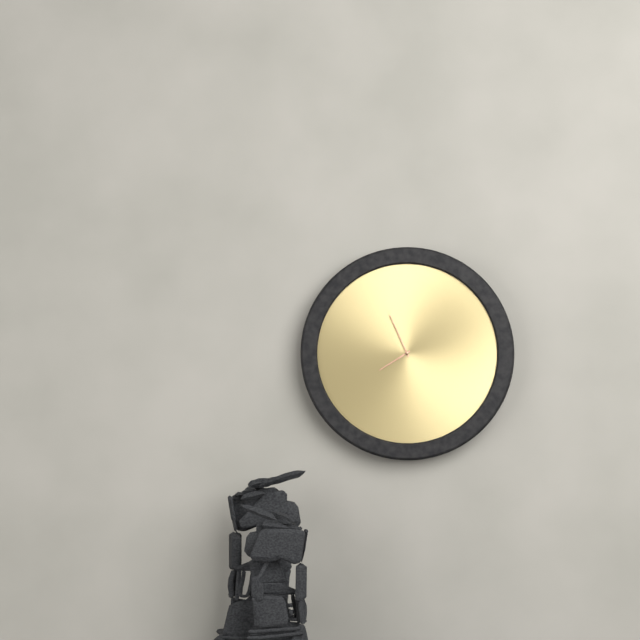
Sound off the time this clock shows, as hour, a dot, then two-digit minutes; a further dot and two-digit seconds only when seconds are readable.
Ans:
7.56
